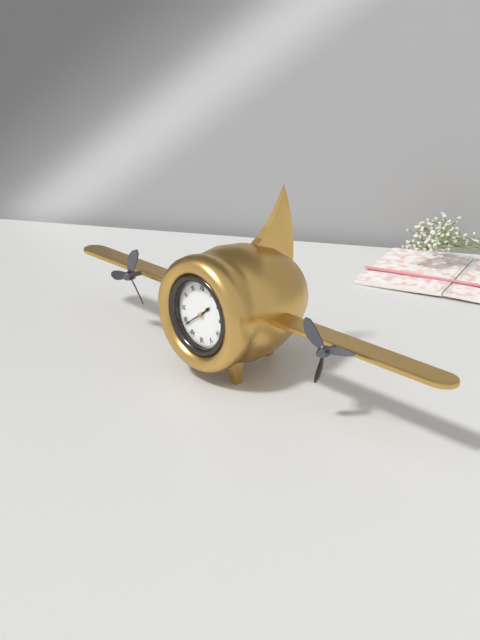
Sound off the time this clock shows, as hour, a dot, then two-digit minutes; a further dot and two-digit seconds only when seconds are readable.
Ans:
1.39
